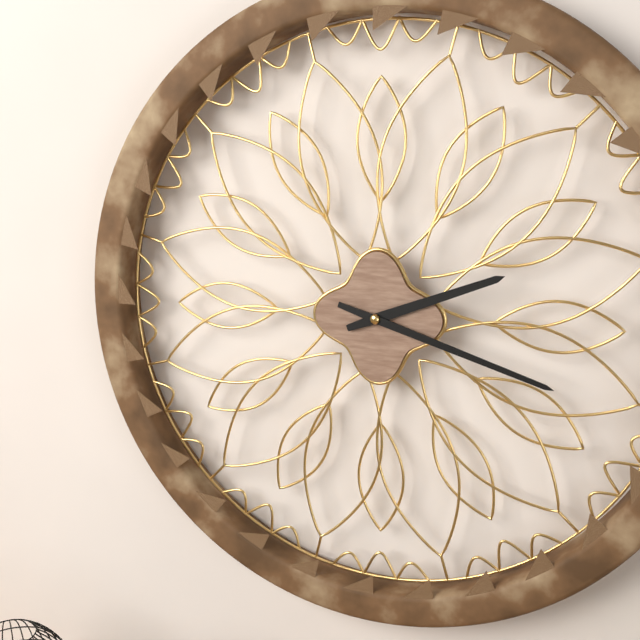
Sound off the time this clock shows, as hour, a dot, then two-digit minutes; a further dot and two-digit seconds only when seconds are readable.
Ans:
2.18
